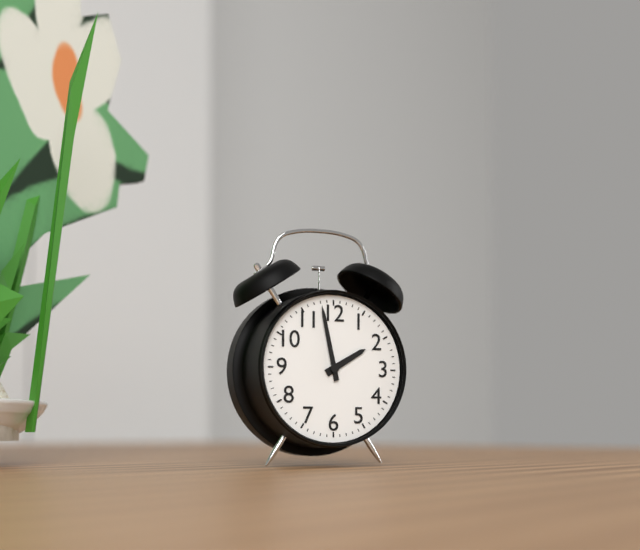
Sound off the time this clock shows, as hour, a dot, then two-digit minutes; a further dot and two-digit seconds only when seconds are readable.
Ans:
1.58
